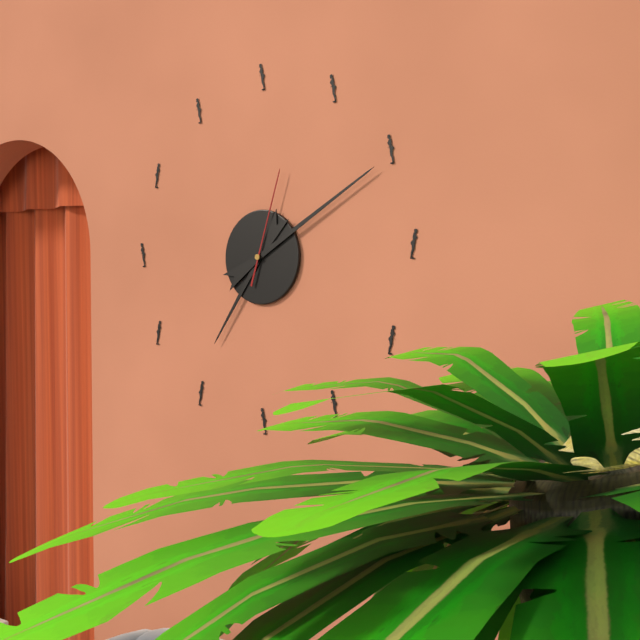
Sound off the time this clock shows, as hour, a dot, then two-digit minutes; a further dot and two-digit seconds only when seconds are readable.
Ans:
7.10.03
